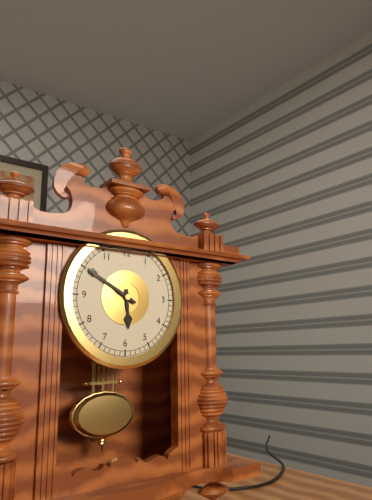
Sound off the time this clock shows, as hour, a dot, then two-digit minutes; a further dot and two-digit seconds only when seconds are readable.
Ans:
5.50
